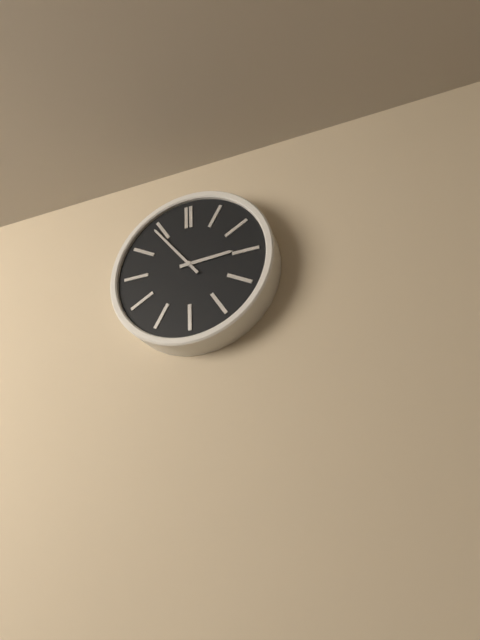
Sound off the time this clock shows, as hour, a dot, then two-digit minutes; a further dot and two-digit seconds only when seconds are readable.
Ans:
2.54
